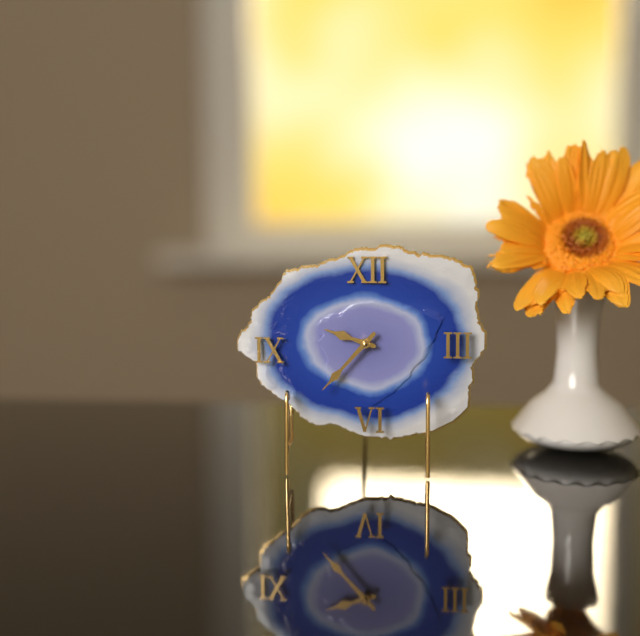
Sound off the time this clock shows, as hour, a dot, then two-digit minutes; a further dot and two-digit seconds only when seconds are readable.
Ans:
9.37
